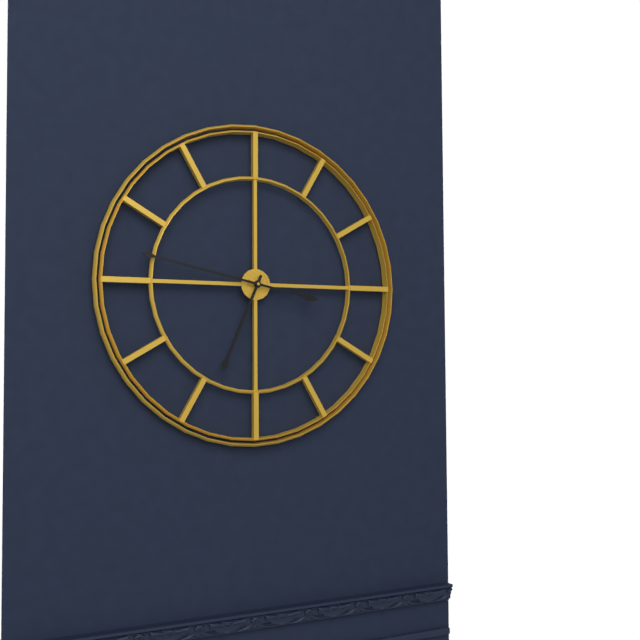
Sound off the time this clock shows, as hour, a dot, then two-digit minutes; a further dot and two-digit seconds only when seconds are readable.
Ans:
6.47
